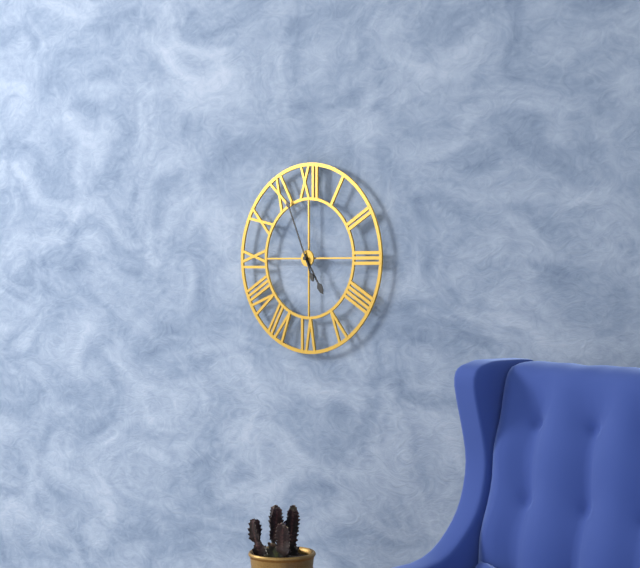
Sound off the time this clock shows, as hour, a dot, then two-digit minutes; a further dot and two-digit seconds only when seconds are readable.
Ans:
4.56
